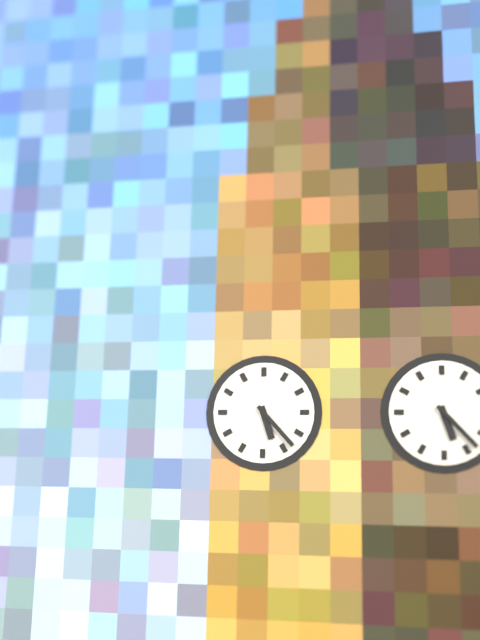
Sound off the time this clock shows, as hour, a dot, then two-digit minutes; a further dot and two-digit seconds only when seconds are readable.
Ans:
5.23
